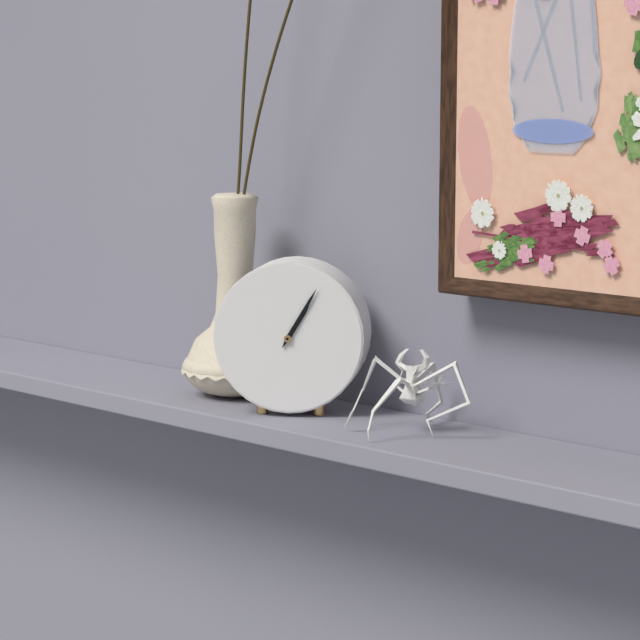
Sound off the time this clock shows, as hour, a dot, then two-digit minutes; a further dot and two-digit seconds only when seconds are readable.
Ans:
1.05
